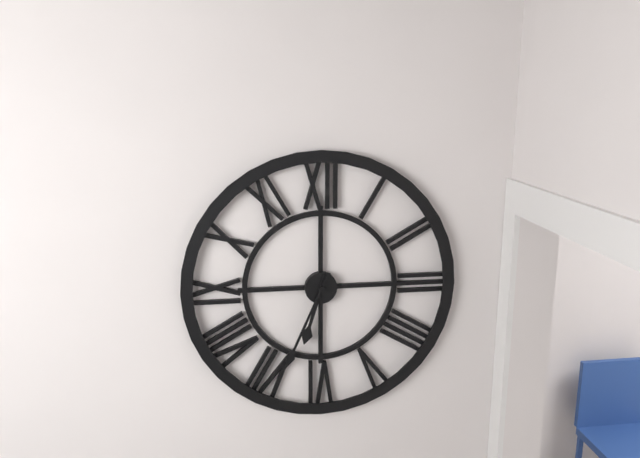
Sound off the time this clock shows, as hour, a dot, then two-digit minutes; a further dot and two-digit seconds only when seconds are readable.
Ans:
6.34
